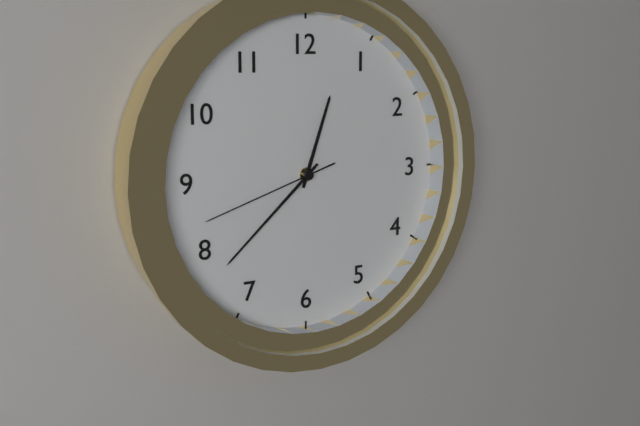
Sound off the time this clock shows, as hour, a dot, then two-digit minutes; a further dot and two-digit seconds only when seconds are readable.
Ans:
12.38.42
